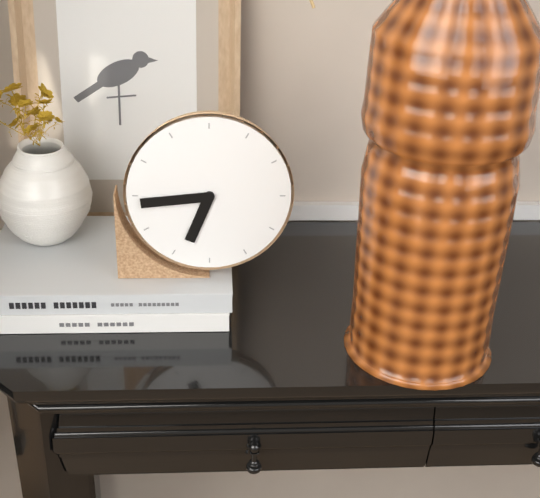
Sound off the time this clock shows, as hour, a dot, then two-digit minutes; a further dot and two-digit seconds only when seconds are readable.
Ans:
6.44
